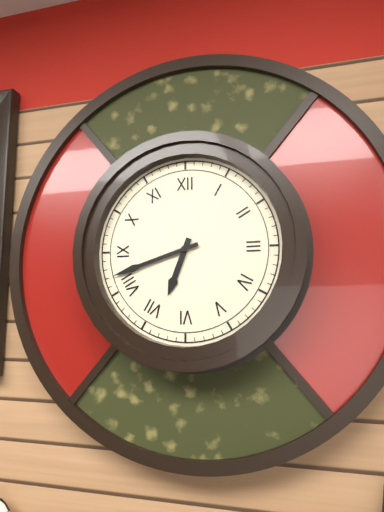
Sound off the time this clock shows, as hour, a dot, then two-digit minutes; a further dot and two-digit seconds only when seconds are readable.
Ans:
6.42
